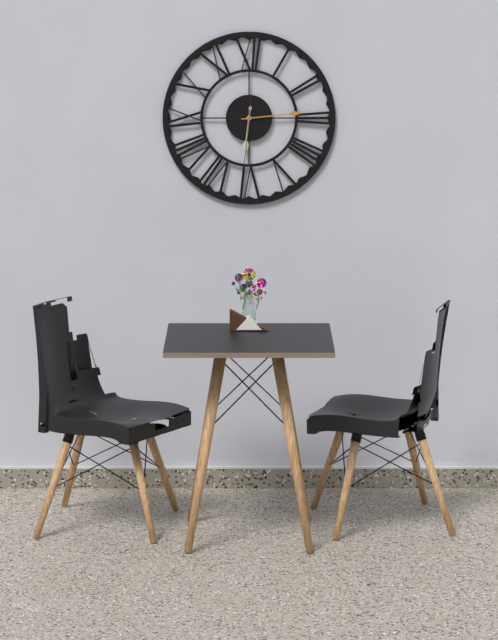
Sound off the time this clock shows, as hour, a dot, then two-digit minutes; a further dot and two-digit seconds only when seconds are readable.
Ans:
6.14.31
